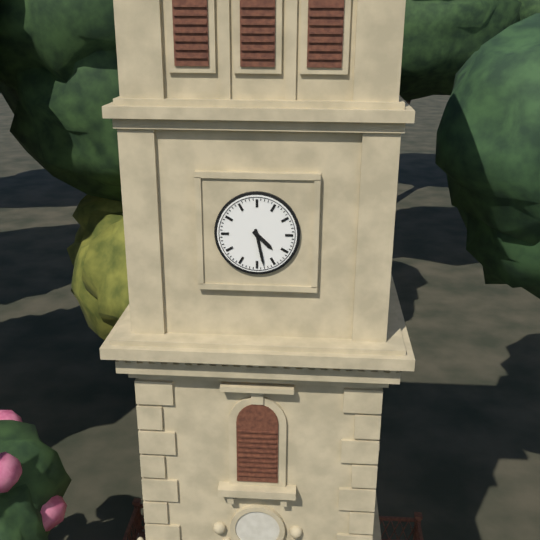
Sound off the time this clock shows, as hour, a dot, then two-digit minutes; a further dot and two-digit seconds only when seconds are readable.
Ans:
4.28
